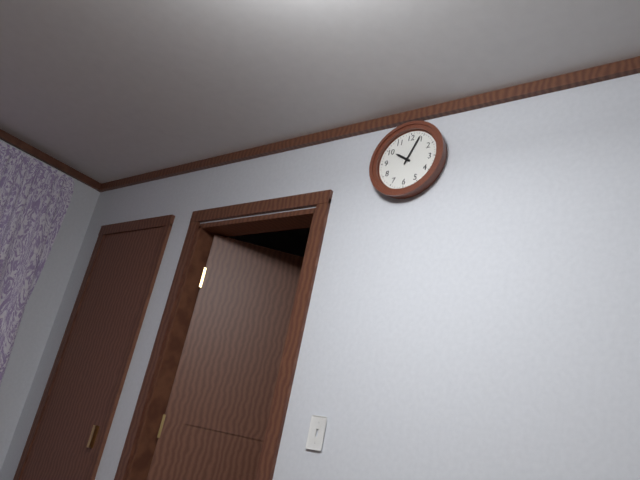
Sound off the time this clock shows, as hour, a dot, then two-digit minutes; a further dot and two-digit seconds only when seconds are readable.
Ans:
10.04
